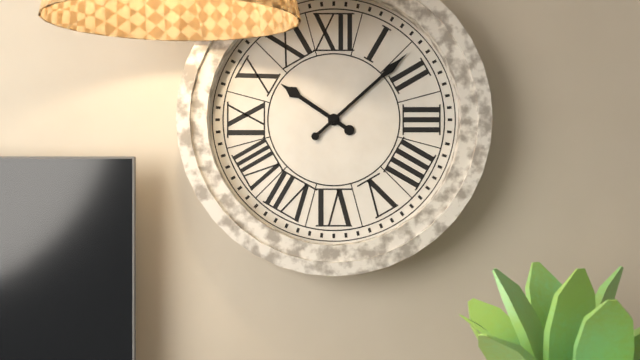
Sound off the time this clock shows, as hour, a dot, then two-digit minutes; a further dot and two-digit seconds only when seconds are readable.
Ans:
10.08
